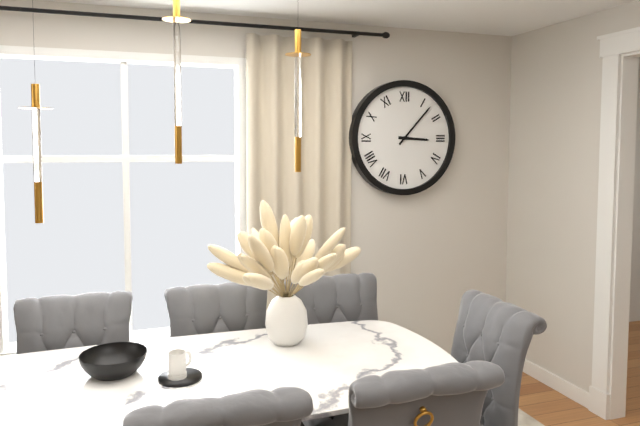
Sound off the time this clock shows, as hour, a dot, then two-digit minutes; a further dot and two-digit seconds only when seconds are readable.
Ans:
3.07
